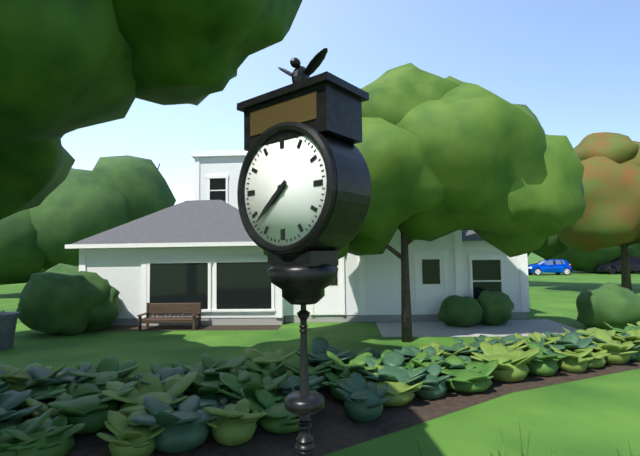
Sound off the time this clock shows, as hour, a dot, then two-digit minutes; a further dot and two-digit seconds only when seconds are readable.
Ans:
7.38
